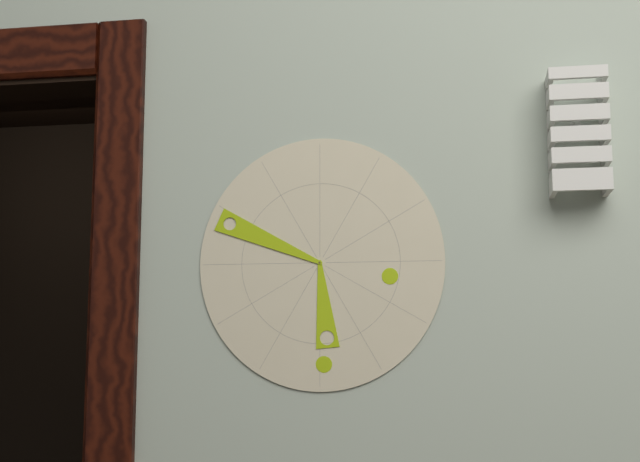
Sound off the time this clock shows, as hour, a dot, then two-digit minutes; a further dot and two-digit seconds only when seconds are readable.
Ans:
5.49
